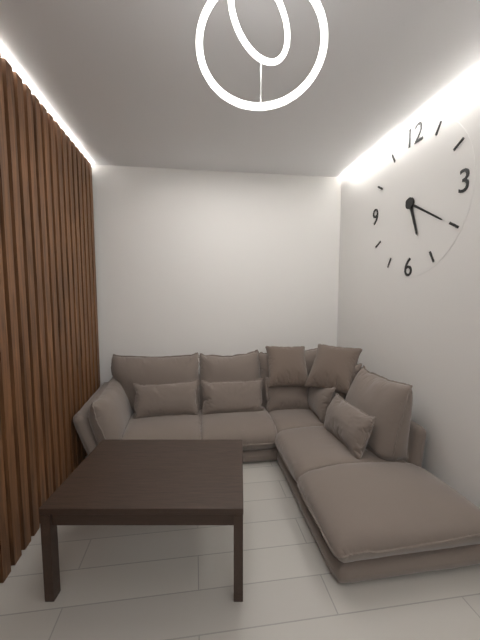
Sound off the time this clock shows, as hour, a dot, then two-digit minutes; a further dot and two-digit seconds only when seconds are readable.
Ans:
5.20
